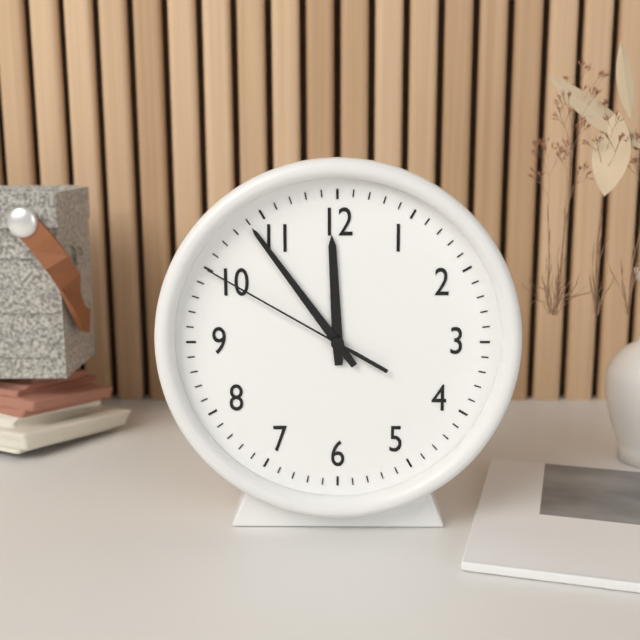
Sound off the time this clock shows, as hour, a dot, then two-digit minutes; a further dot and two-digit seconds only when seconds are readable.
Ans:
11.54.50
